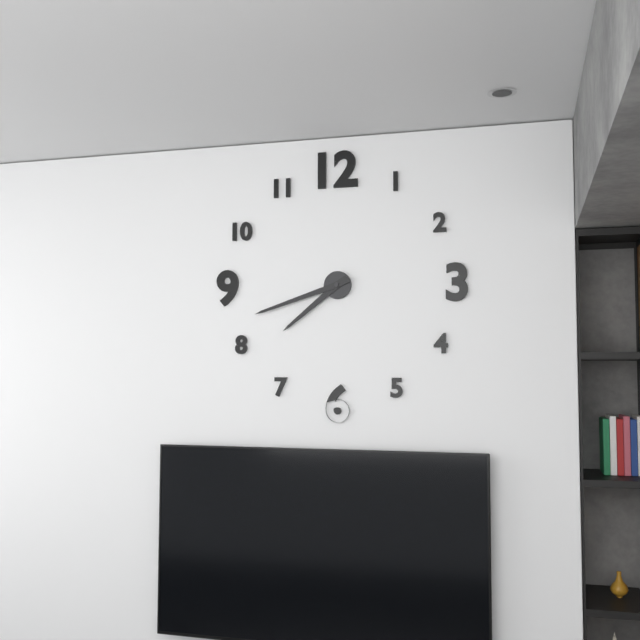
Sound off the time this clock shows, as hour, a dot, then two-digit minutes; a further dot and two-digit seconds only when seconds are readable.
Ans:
7.42
